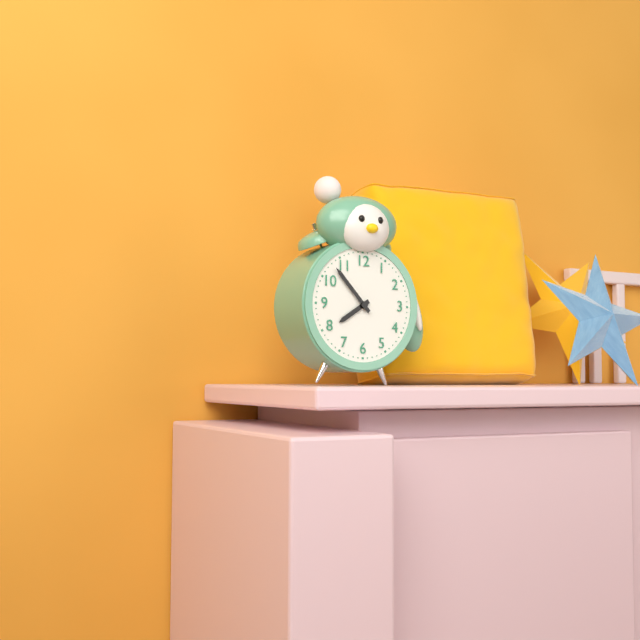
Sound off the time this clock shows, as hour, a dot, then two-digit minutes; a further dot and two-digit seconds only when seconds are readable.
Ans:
7.53
